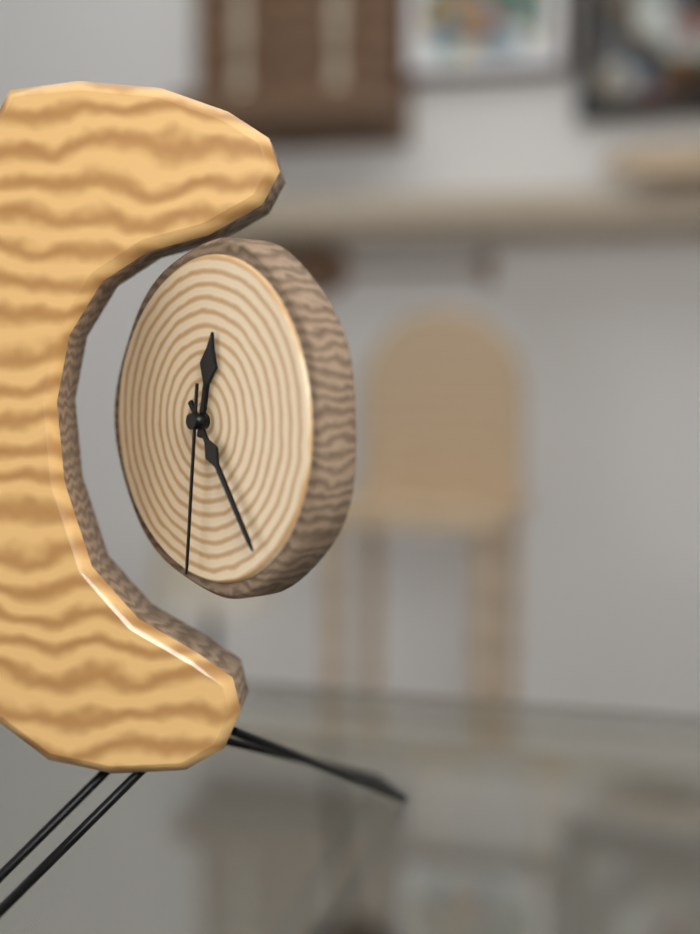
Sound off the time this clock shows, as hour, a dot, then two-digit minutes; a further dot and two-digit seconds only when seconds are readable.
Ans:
12.24.31
